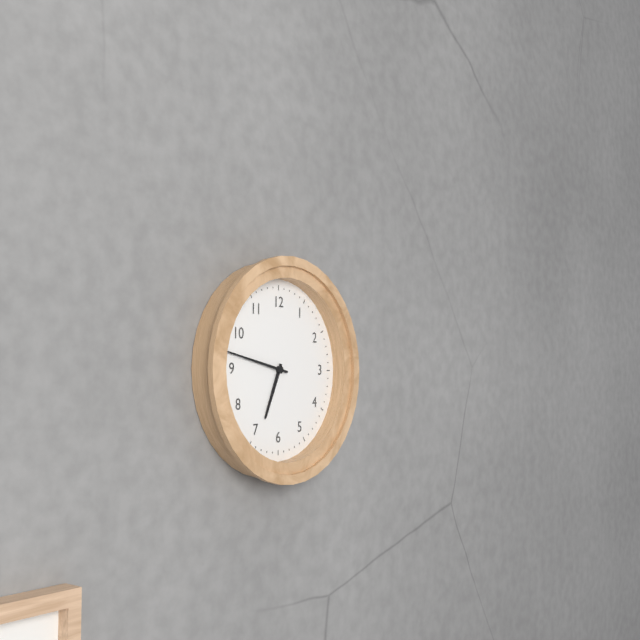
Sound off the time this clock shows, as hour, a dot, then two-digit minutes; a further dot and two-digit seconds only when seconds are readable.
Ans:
6.47
